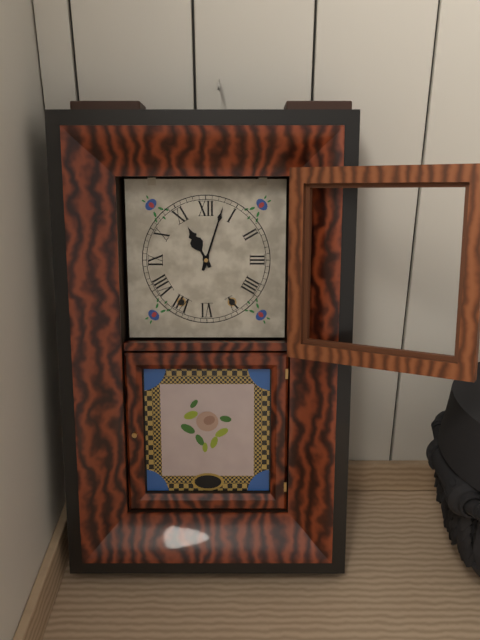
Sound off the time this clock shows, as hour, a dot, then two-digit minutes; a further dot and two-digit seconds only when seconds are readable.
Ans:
11.03
